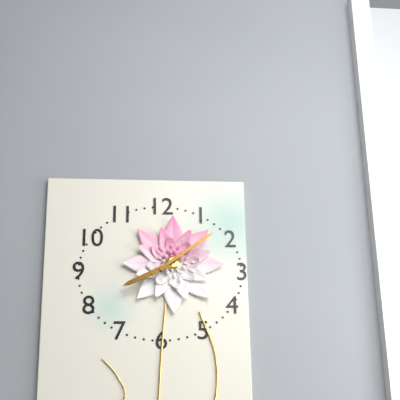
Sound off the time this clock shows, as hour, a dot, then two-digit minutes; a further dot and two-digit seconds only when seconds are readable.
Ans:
8.09
